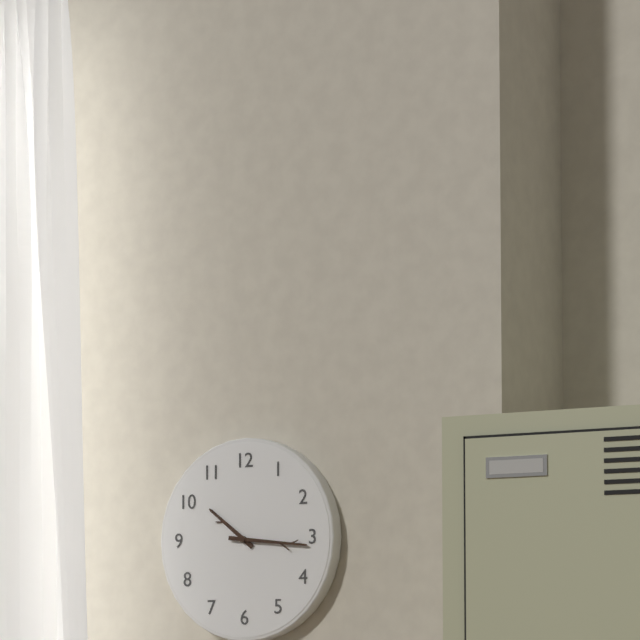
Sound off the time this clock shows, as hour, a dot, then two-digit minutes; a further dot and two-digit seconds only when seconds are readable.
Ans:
10.16
